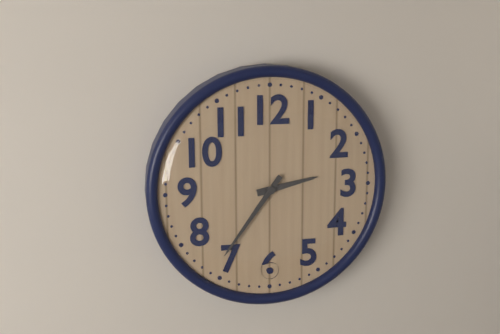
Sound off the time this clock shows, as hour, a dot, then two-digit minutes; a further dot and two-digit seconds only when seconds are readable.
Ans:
2.36
